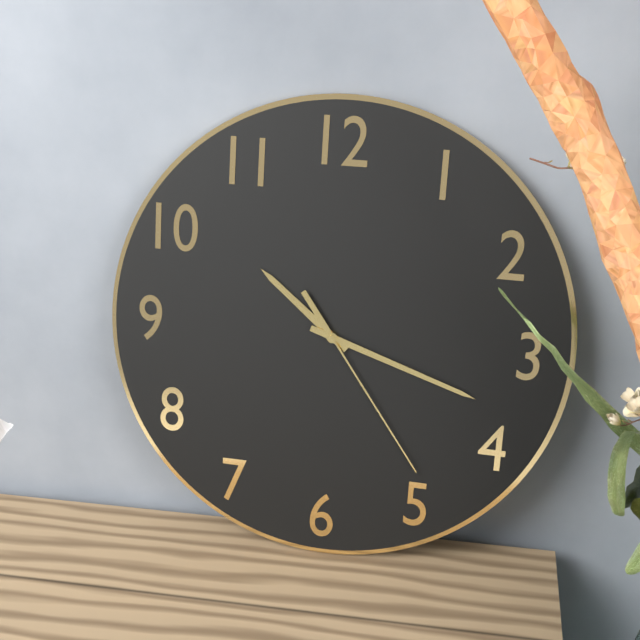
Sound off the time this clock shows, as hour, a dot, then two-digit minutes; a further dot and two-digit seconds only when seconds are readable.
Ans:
10.18.24
